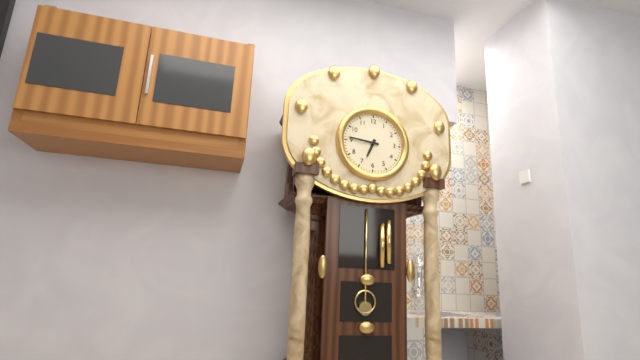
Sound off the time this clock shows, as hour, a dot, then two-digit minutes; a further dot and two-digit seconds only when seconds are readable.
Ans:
6.46
